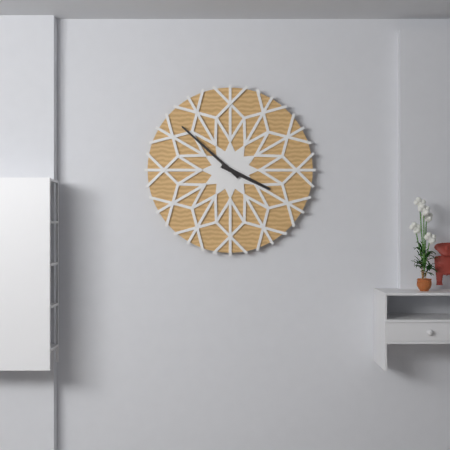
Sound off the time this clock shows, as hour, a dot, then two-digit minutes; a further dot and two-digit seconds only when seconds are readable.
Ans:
3.52
